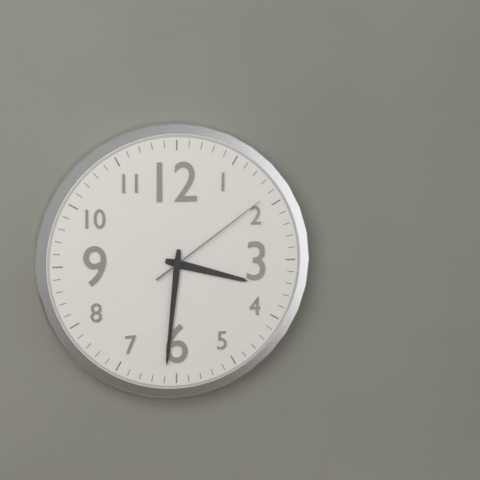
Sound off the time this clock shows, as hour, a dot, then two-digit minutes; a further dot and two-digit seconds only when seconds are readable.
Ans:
3.31.09
